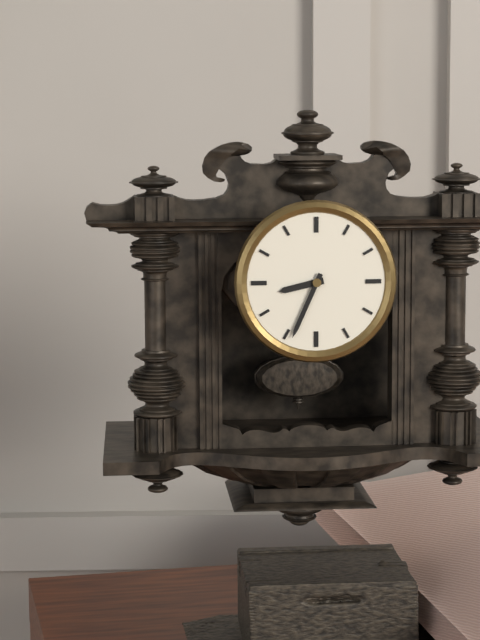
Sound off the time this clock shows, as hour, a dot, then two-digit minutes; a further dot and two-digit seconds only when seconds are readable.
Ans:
8.34
